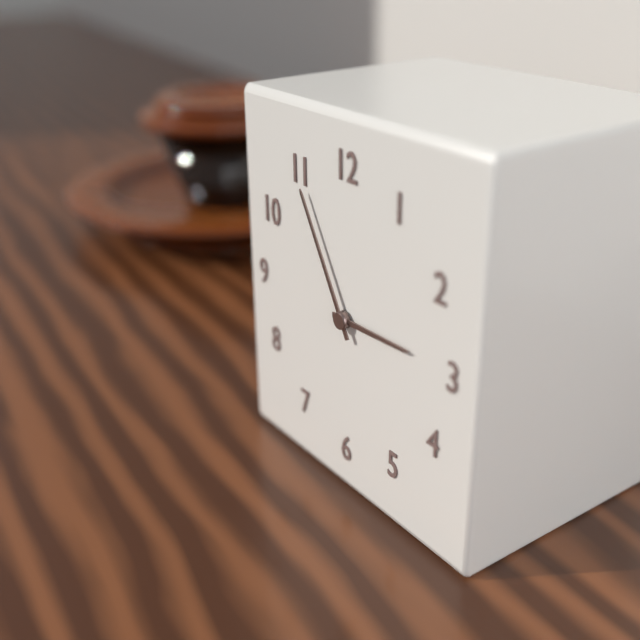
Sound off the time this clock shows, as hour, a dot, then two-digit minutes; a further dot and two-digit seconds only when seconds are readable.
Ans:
2.55
